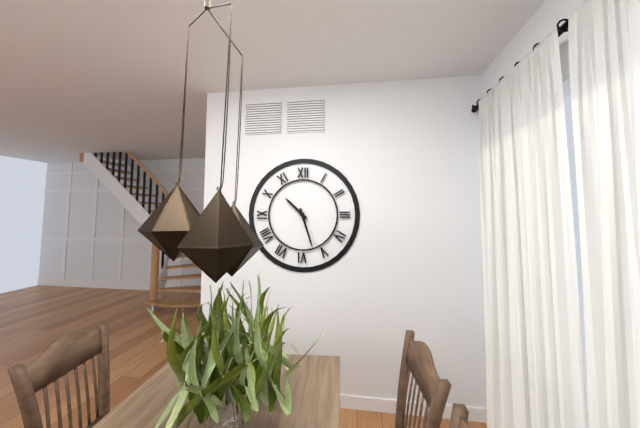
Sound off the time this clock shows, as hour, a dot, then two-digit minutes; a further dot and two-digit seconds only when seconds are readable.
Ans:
10.27
